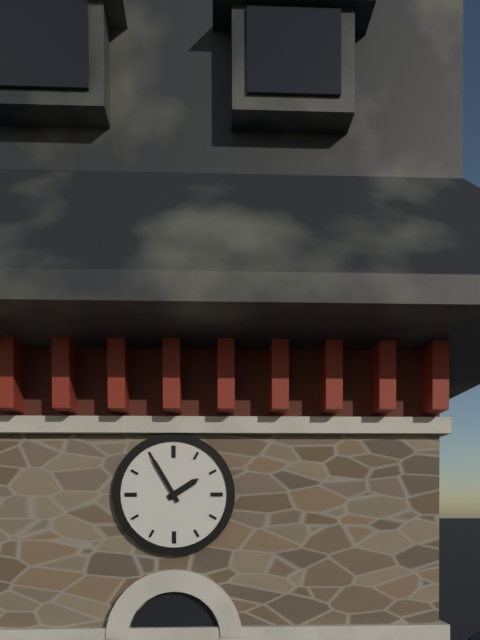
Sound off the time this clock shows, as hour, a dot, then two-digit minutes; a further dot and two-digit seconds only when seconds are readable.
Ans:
1.55
